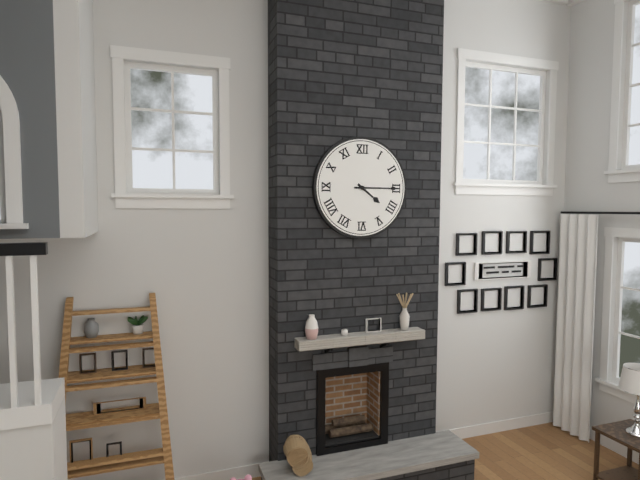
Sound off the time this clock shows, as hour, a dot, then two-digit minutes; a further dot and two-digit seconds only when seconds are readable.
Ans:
4.15
